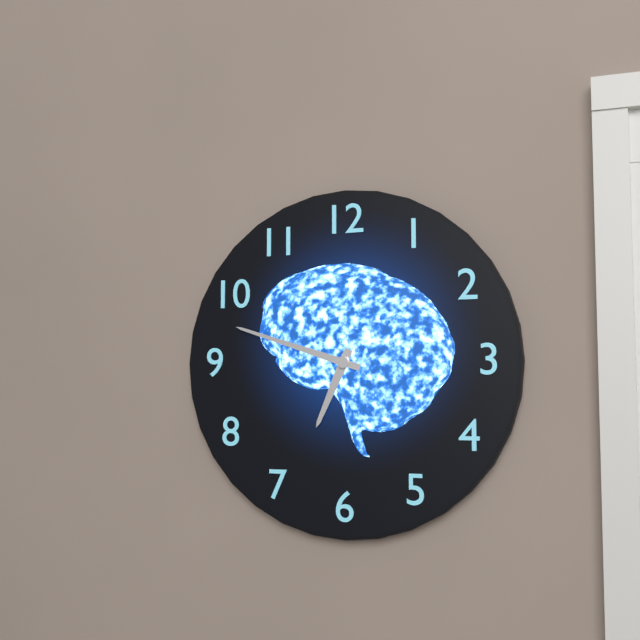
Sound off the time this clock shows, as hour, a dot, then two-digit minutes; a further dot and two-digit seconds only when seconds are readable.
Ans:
6.48
